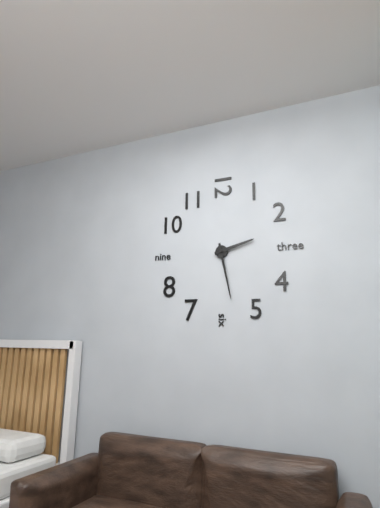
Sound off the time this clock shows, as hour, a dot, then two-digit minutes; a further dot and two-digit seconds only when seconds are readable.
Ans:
2.28
